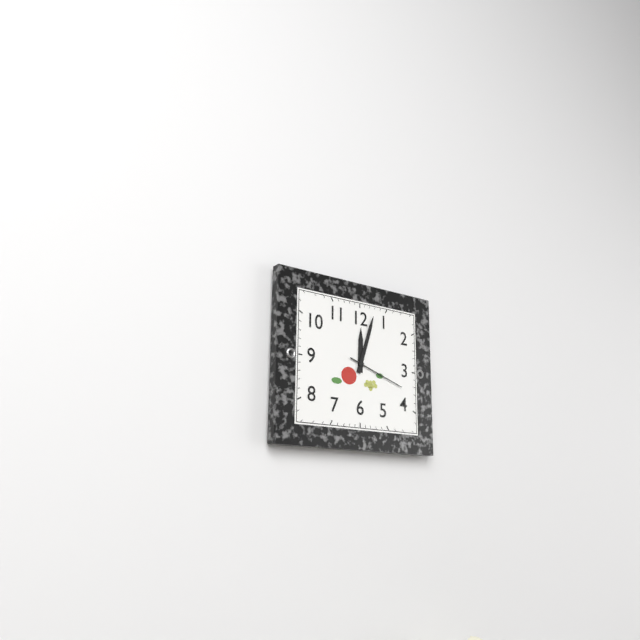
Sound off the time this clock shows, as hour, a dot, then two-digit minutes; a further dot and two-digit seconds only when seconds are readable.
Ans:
12.03.18
